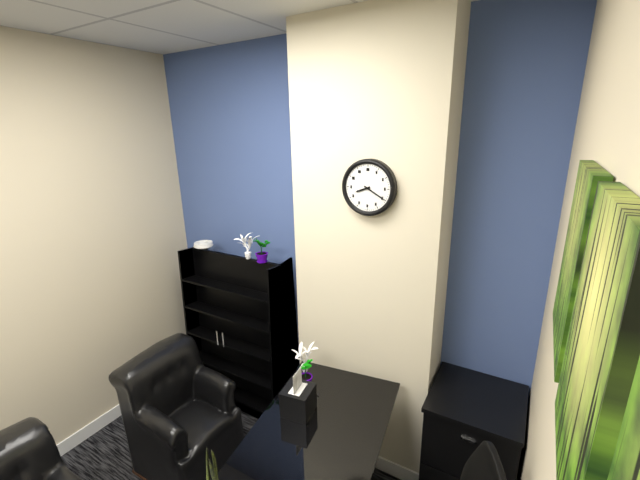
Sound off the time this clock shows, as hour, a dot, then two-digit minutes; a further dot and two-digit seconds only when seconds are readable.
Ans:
8.20
